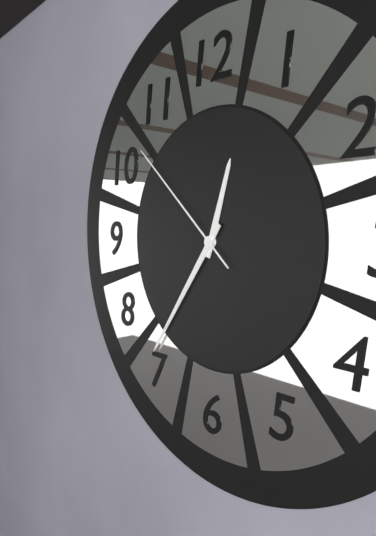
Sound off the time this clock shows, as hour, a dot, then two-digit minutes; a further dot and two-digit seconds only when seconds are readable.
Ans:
12.36.52
